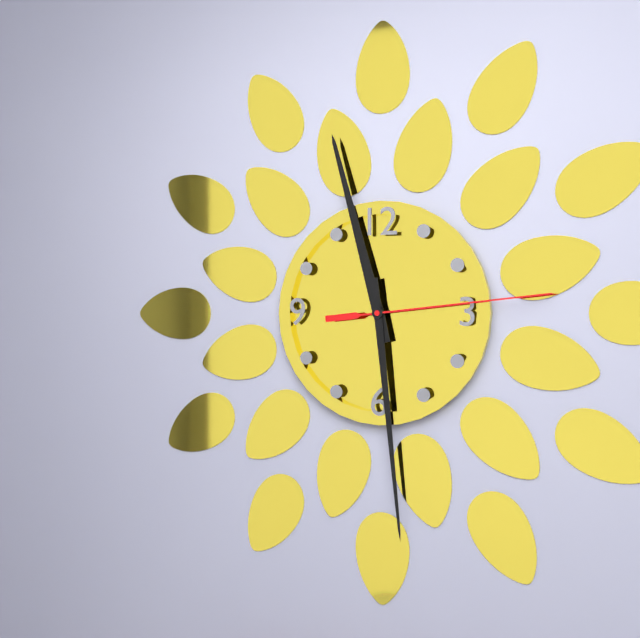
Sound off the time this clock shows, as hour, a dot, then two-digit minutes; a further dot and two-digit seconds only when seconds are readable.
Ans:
11.29.14
